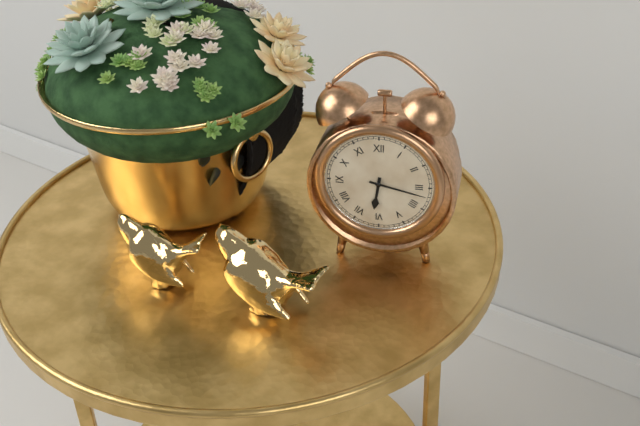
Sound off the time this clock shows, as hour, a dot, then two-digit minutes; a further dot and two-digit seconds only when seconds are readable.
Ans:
6.17
